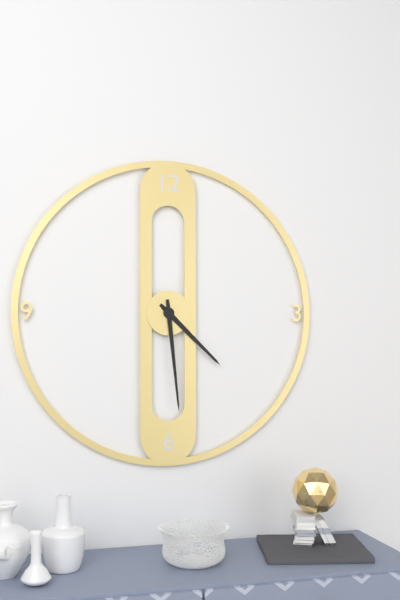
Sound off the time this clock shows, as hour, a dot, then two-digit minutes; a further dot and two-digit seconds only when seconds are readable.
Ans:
4.29
